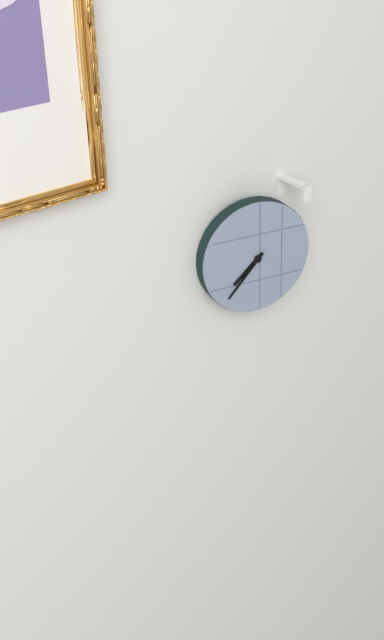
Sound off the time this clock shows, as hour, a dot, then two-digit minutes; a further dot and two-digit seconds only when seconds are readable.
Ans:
7.37
